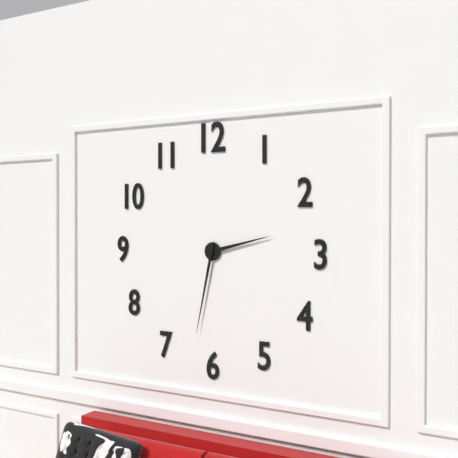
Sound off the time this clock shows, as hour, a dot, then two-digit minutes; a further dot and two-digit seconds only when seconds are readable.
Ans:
2.32
